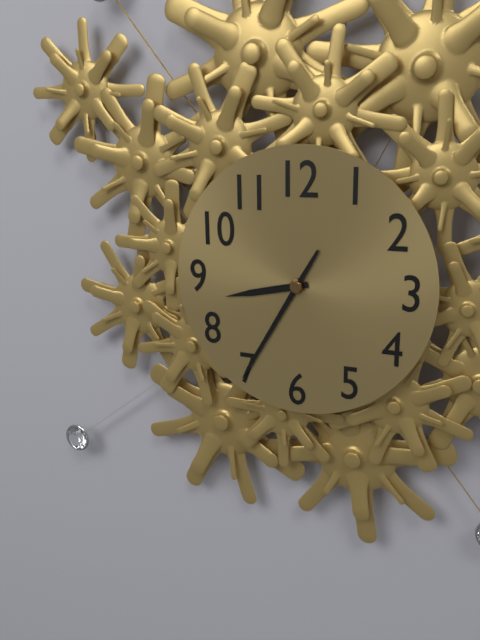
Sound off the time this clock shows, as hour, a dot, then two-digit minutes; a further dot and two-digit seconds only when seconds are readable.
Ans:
8.35
